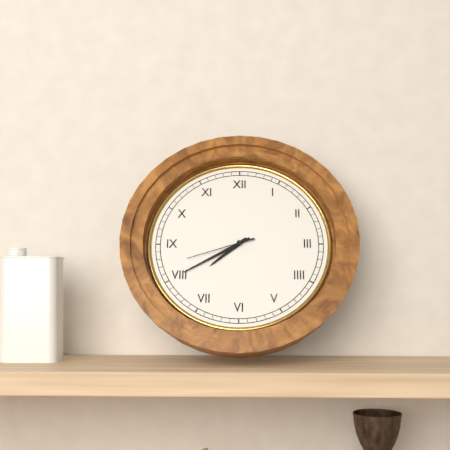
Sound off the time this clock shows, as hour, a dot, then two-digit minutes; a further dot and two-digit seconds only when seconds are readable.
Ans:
7.40.42
